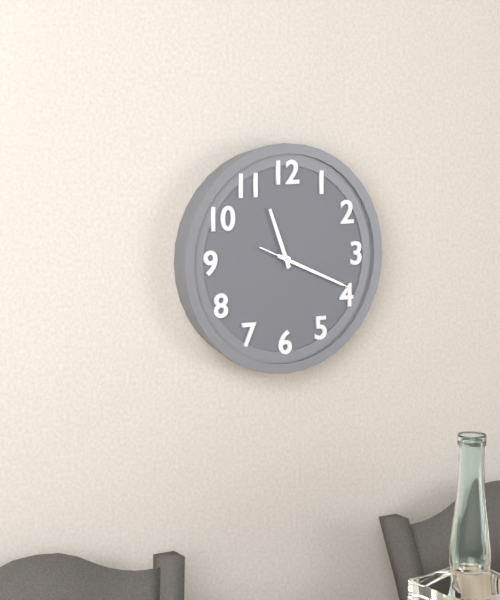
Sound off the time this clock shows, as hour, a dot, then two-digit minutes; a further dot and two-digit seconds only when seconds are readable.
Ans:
11.19.19
